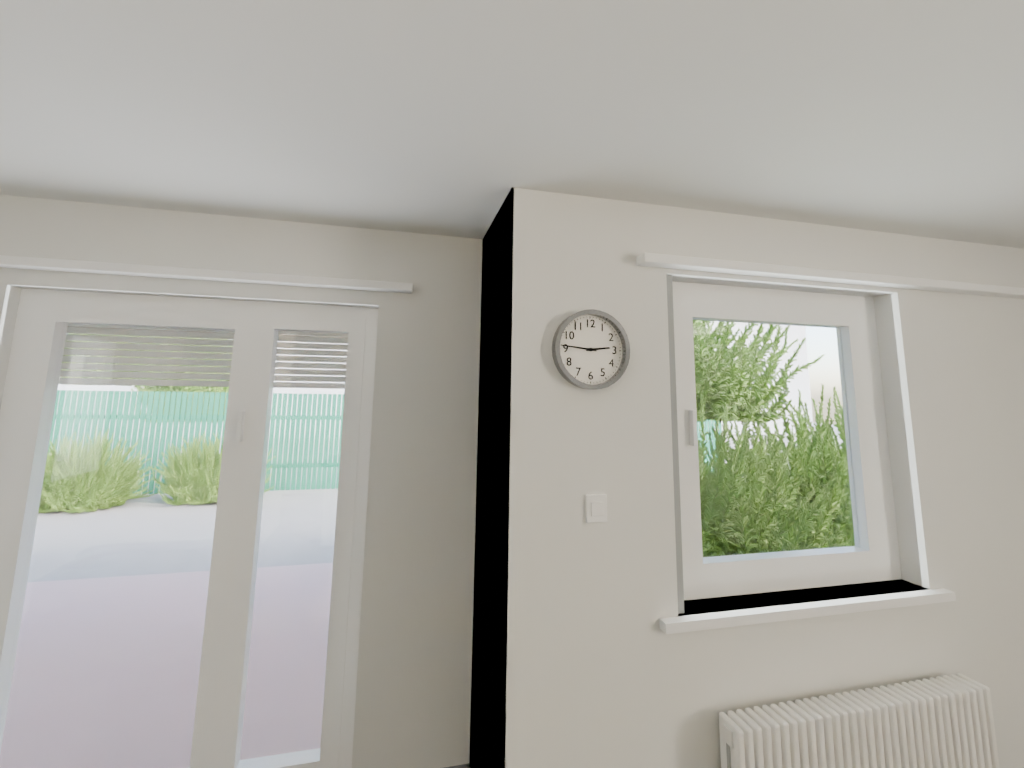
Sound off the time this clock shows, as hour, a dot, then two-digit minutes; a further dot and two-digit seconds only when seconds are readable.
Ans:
2.46
